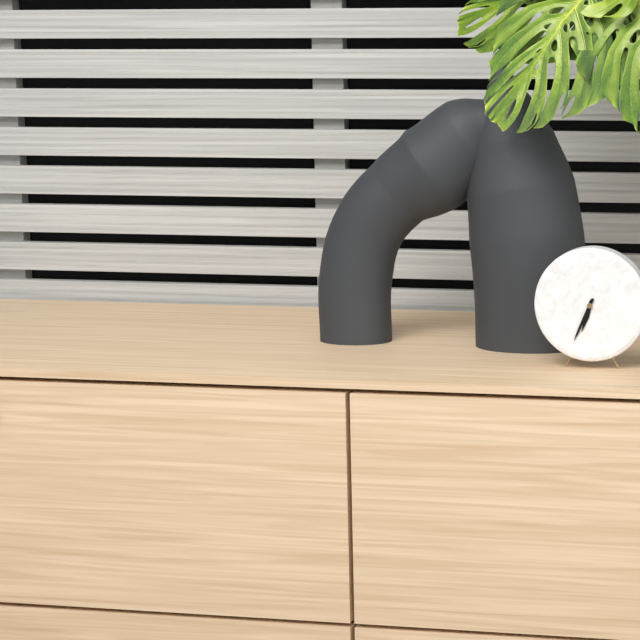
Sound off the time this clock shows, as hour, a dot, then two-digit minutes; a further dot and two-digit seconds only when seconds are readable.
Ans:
6.34
